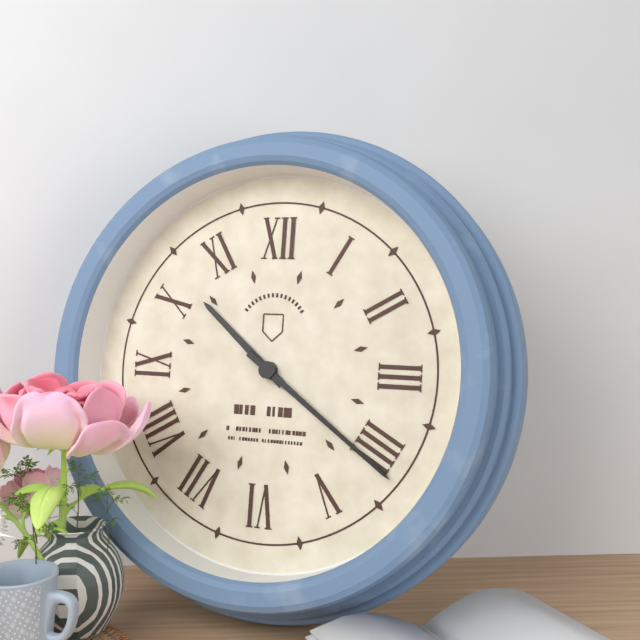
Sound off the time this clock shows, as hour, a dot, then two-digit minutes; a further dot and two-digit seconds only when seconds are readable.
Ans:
10.21
